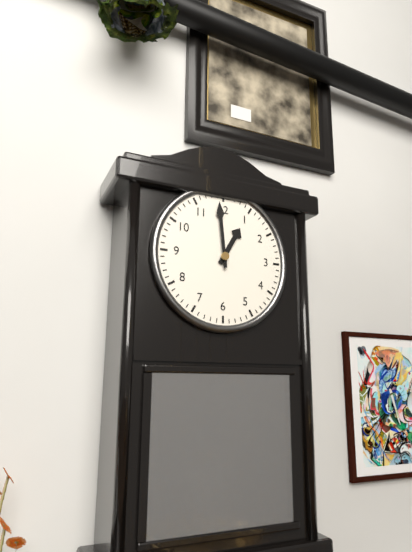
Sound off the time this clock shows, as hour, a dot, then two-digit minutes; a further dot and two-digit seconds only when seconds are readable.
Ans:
12.59
